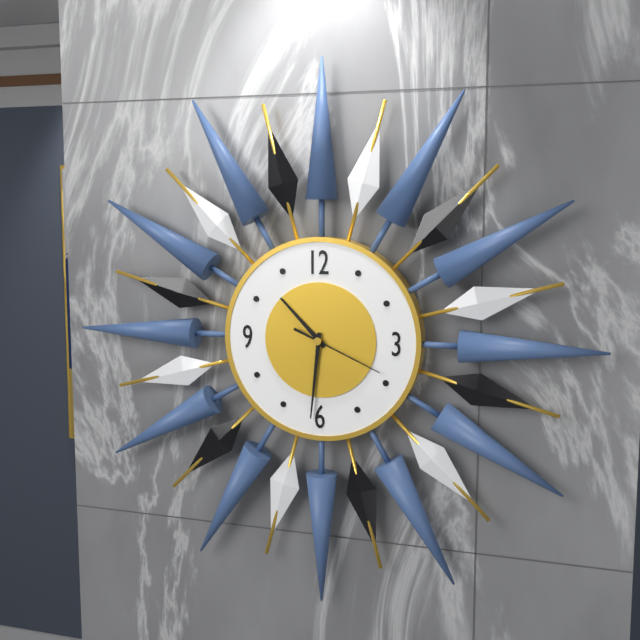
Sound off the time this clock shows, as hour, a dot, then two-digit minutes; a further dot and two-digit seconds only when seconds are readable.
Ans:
10.31.19
